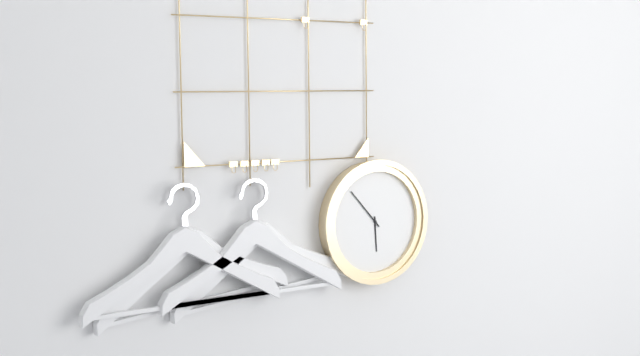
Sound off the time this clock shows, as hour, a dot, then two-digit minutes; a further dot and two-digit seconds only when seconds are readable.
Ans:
5.53
